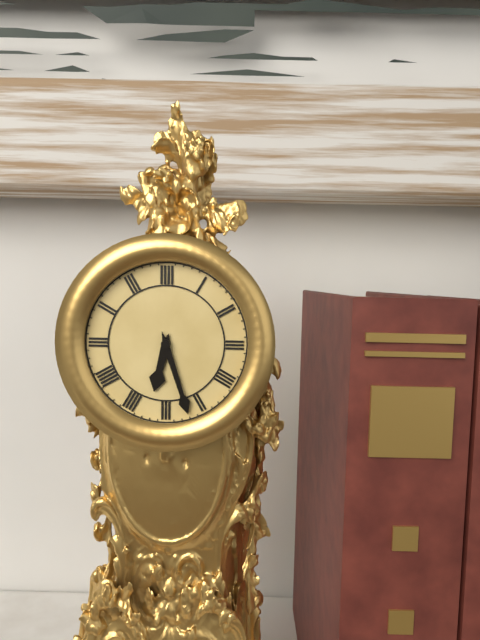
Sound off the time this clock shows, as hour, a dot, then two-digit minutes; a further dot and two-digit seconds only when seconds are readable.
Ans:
6.27
